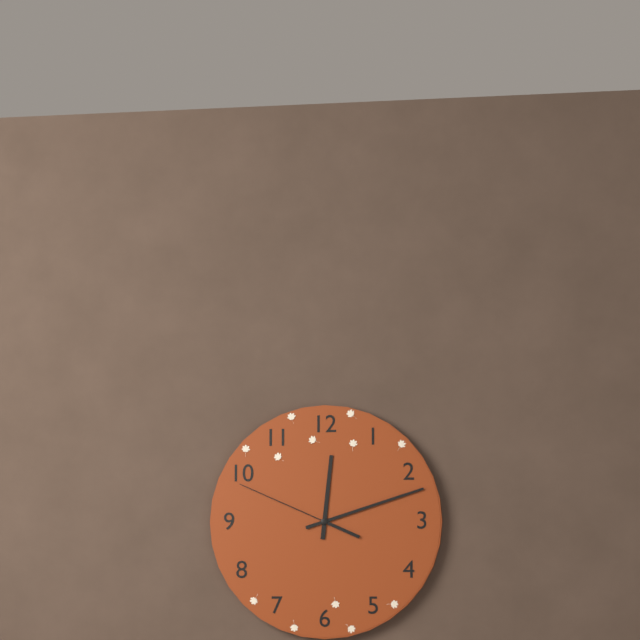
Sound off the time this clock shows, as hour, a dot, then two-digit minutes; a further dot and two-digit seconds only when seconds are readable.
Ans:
12.12.49
